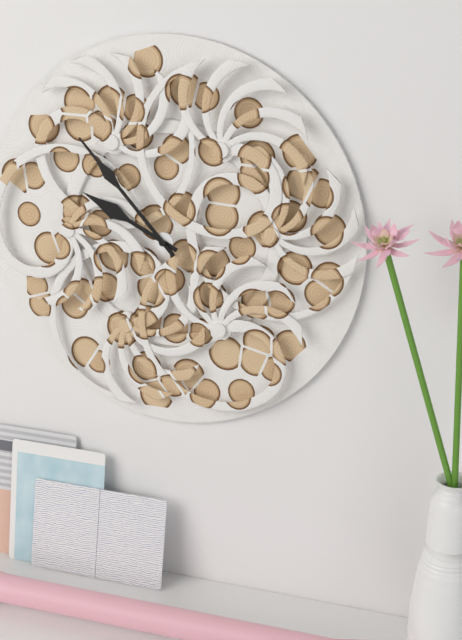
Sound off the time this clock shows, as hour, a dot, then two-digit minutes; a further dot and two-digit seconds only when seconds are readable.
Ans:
9.53
